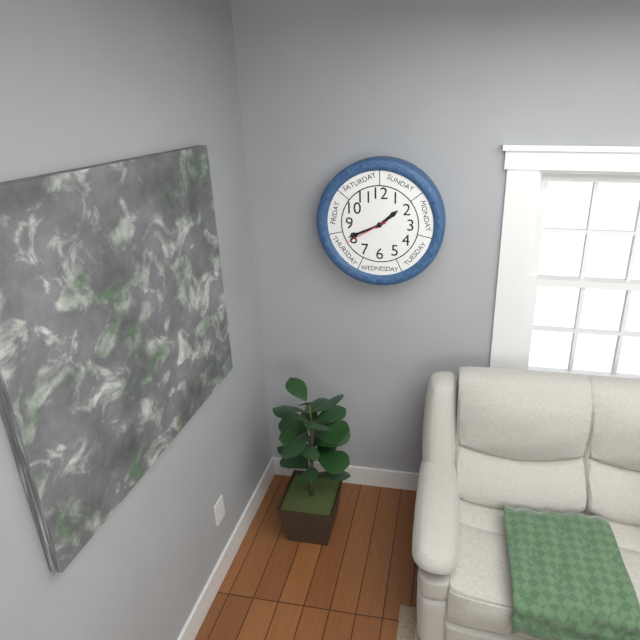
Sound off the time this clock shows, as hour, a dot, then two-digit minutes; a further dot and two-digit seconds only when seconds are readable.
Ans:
1.41
